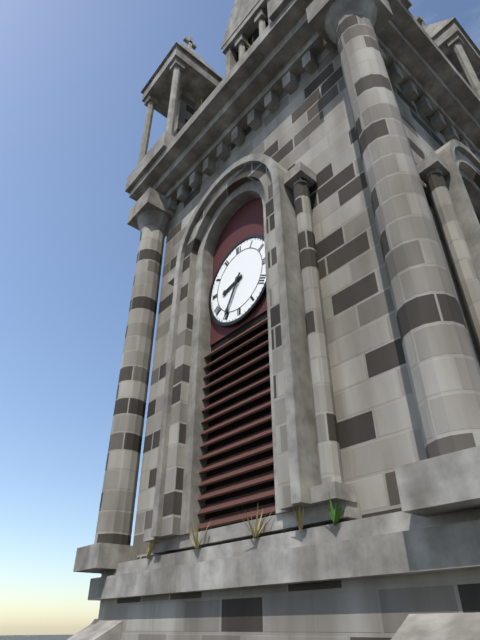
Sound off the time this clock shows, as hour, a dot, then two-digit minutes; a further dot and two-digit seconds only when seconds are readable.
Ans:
8.35
